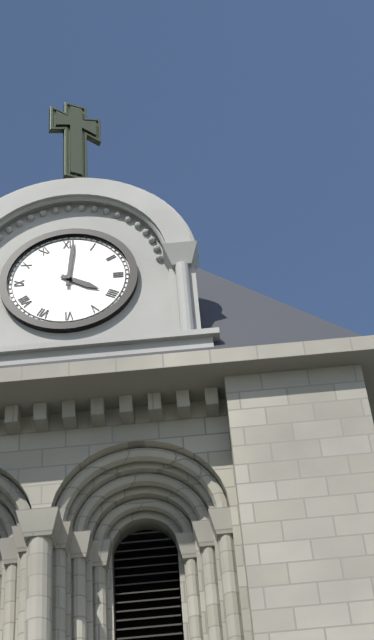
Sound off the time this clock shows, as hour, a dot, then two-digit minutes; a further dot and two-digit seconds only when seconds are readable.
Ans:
4.01
